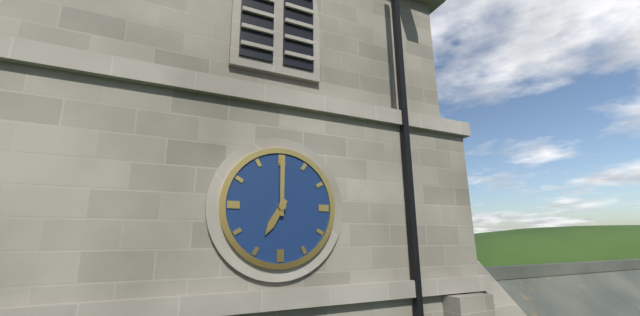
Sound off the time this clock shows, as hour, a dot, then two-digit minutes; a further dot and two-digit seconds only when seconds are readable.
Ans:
7.00
